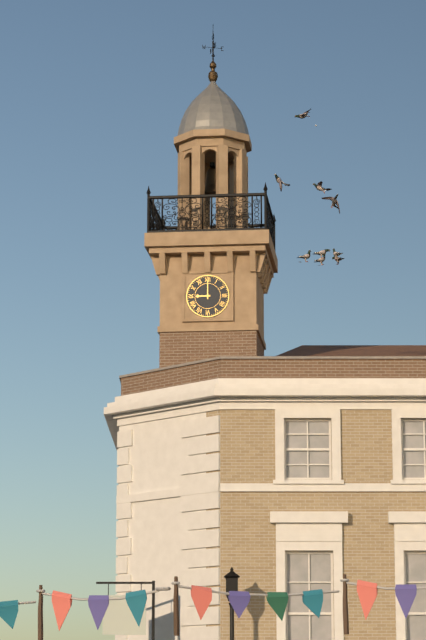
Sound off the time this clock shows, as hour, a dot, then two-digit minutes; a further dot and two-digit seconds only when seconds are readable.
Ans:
9.00
